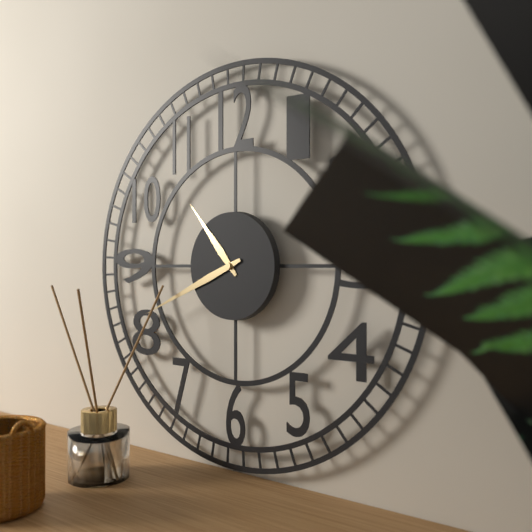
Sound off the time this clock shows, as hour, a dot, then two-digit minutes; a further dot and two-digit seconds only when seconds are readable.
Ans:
10.41
